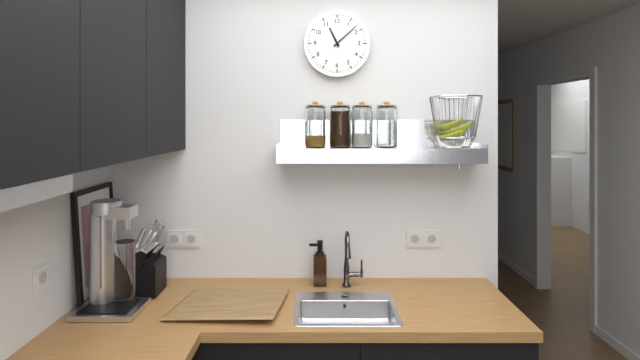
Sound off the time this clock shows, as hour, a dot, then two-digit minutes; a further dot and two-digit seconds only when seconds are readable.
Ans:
11.08
